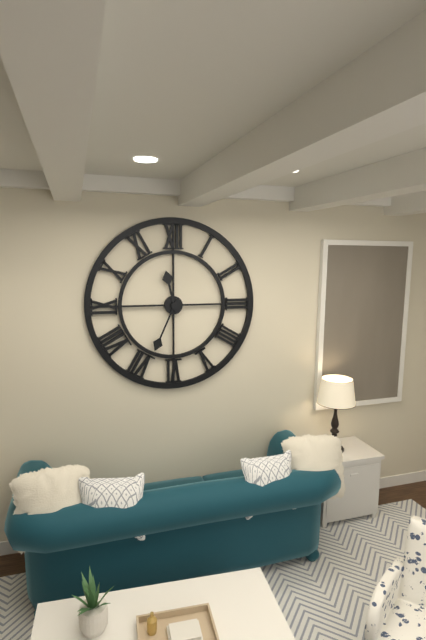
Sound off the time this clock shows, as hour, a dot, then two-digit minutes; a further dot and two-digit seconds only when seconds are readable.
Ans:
11.34
